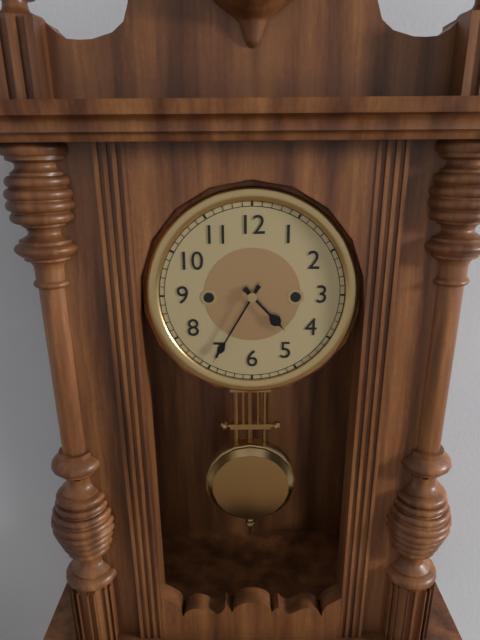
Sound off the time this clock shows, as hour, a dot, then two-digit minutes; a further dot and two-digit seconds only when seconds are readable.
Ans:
4.35
